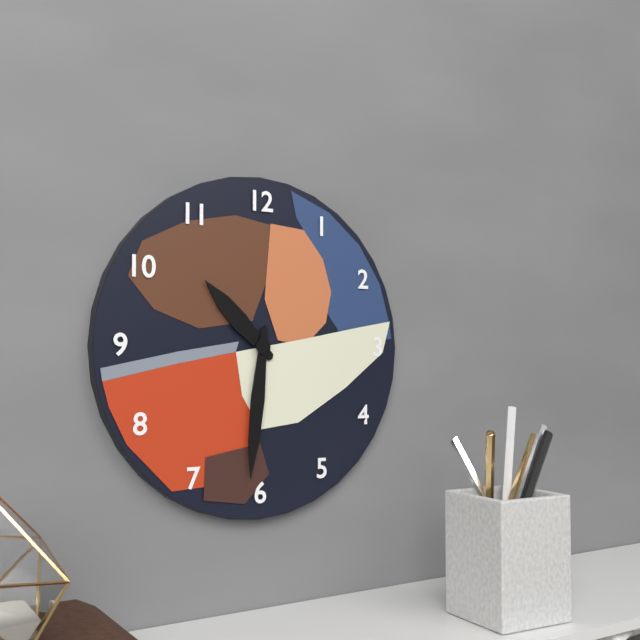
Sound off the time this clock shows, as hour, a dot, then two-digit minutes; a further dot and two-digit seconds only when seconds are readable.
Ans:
10.31
